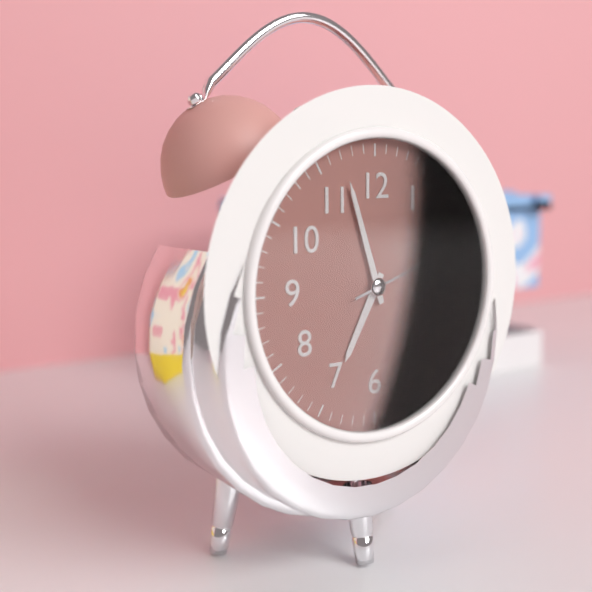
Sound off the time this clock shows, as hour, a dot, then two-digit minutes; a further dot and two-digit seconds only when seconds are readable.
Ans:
6.57.12
